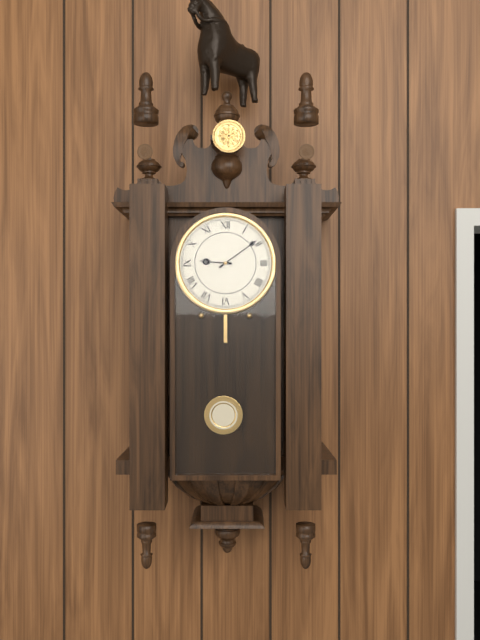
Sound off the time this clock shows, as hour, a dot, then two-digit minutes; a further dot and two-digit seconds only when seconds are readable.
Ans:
9.09
